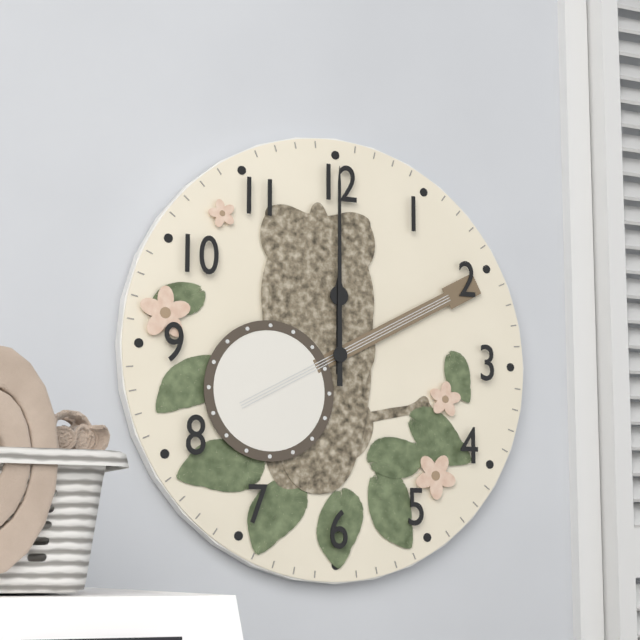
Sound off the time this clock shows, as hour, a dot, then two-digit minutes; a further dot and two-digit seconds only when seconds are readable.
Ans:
12.00
